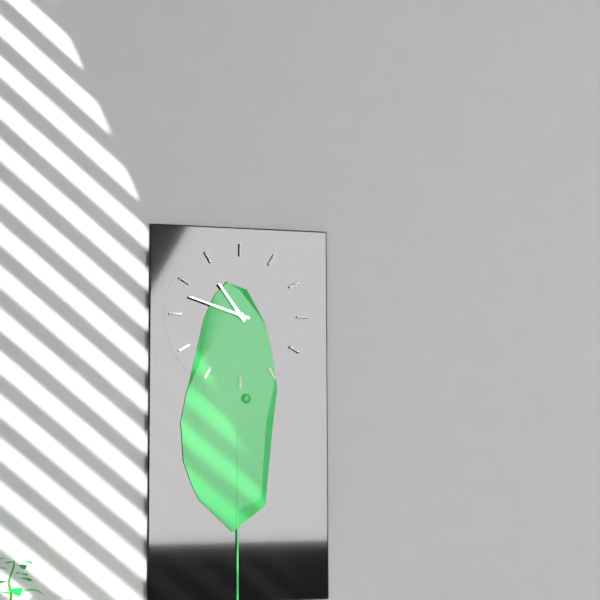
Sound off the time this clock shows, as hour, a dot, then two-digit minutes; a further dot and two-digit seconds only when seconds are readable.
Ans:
10.48
